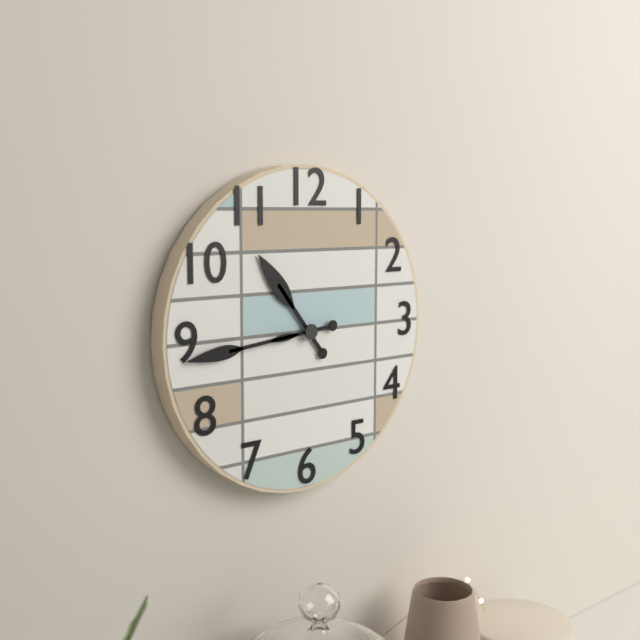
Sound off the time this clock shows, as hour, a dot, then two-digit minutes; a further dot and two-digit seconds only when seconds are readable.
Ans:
10.44
